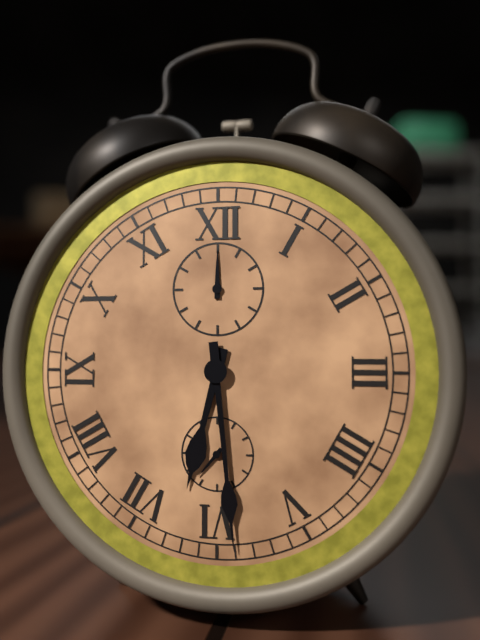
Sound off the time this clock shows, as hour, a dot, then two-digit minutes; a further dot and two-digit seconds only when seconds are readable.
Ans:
6.29
